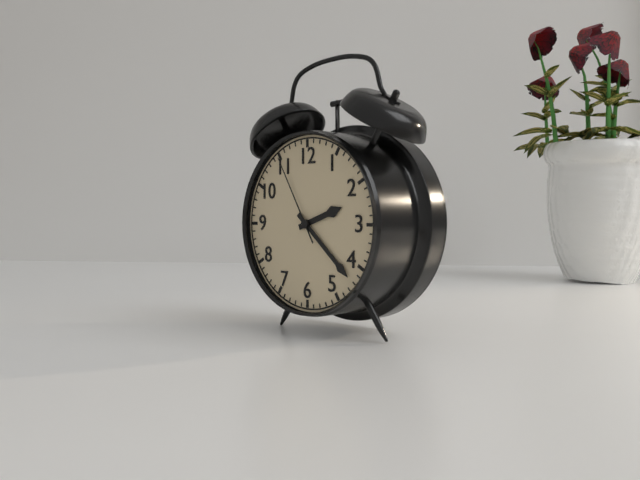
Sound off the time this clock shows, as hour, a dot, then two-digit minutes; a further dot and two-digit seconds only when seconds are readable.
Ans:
2.22.55
